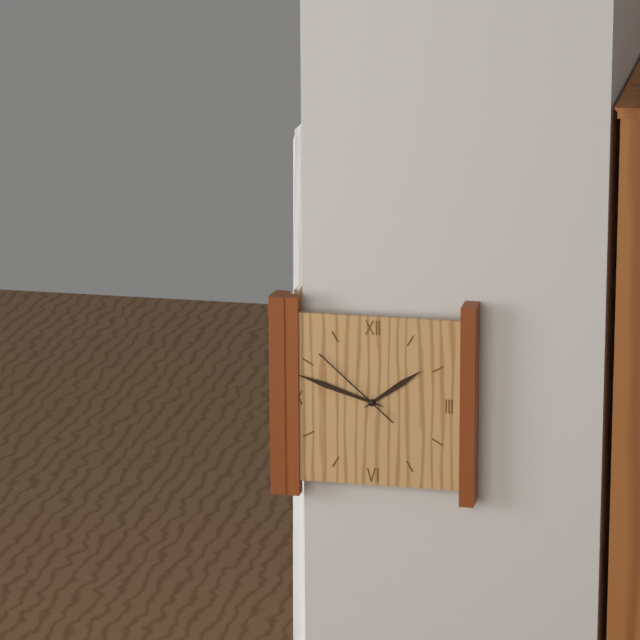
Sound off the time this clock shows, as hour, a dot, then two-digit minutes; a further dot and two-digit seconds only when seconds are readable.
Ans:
1.48.52
